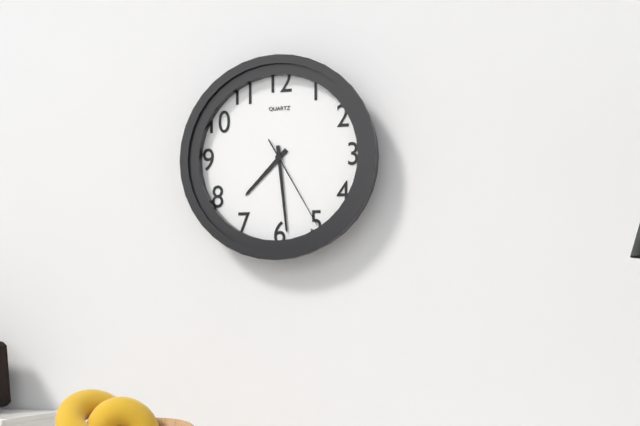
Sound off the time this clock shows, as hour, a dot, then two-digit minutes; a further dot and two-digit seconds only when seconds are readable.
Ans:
7.29.25
